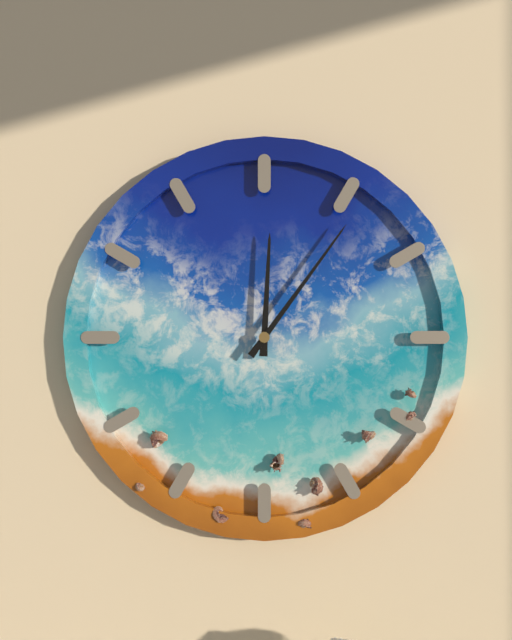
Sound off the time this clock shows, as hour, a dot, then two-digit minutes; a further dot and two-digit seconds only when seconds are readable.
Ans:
12.06
